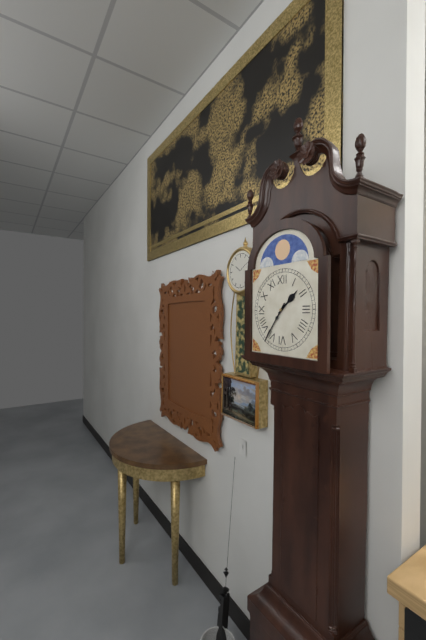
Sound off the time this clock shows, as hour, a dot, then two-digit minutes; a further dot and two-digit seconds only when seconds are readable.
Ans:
1.36
